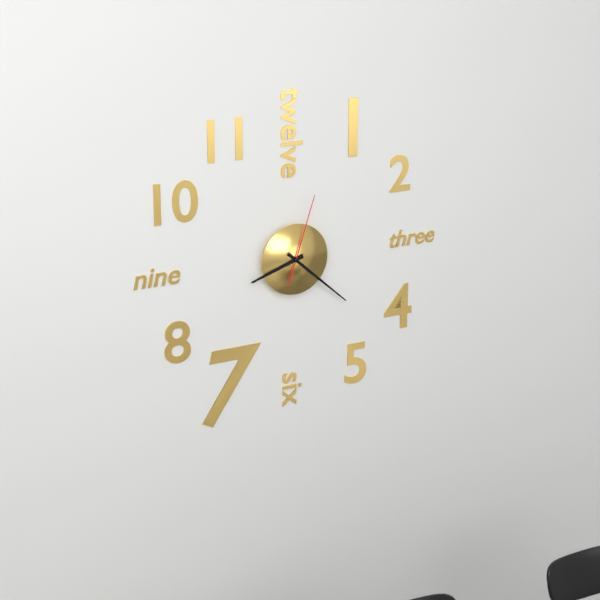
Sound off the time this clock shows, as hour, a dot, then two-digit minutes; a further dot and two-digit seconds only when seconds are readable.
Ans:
8.22.03
